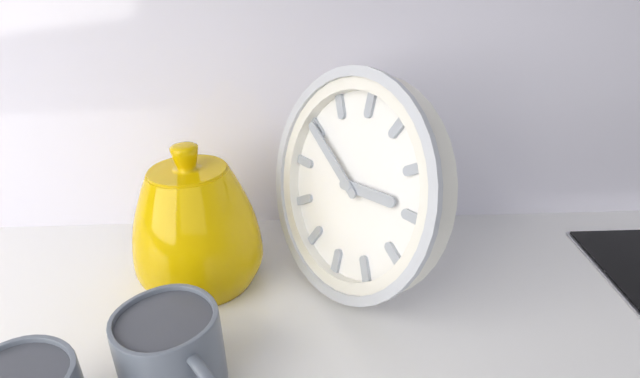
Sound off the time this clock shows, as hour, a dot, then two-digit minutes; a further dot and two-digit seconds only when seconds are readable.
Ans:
2.50
